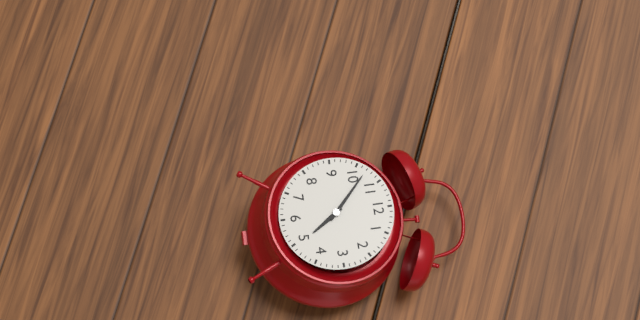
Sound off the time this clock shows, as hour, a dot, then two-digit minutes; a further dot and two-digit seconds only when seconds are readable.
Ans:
4.52
